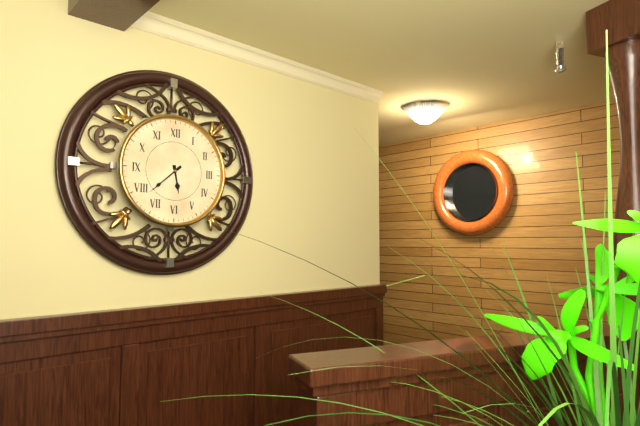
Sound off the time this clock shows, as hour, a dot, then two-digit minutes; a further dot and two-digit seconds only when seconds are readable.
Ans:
5.38
